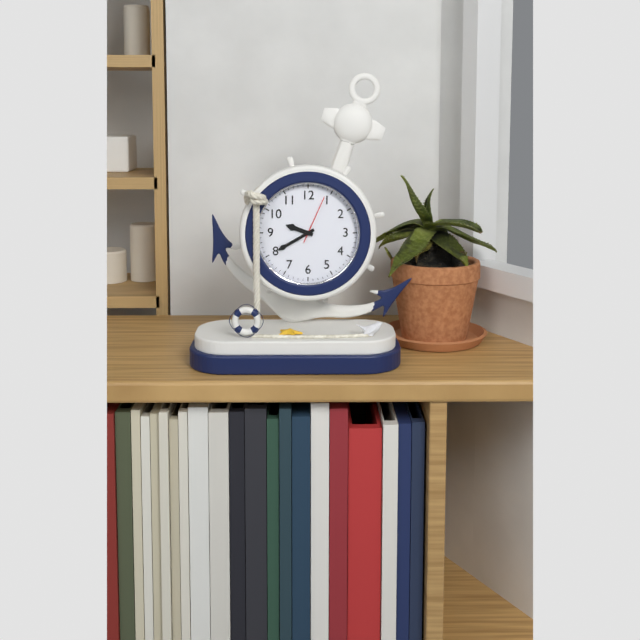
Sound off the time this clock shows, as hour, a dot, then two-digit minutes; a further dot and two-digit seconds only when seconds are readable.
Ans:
9.40
